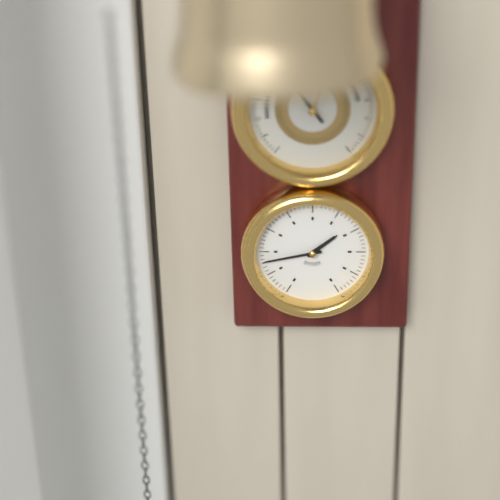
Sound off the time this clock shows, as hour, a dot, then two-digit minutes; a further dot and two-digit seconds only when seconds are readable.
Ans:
1.43
